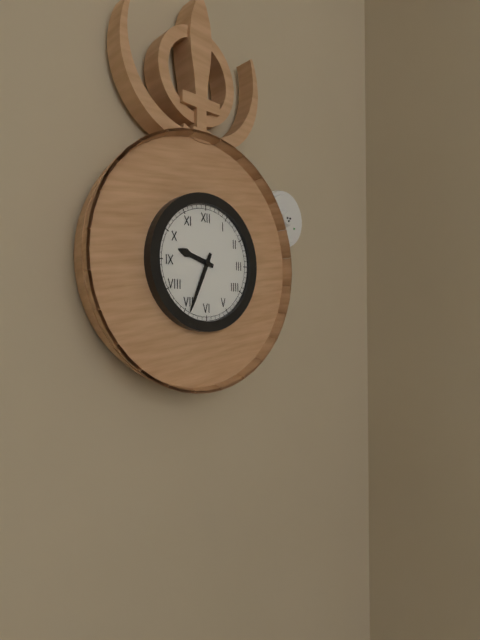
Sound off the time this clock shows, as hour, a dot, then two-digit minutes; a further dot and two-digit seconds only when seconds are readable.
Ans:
9.34
